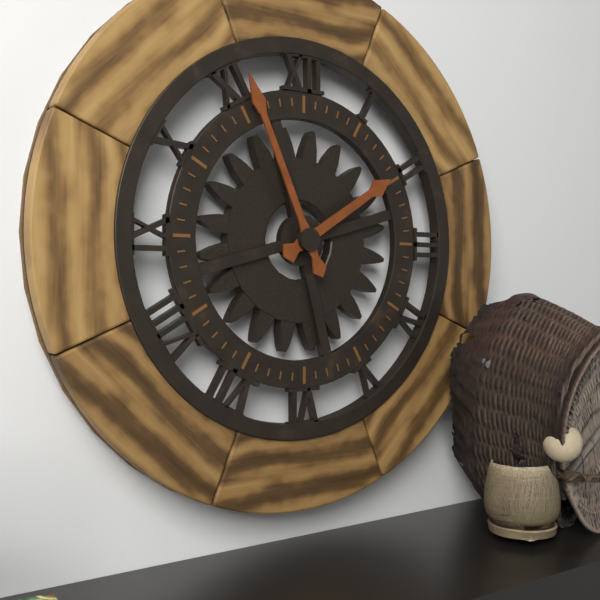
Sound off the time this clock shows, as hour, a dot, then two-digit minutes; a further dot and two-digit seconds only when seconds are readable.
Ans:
1.56
